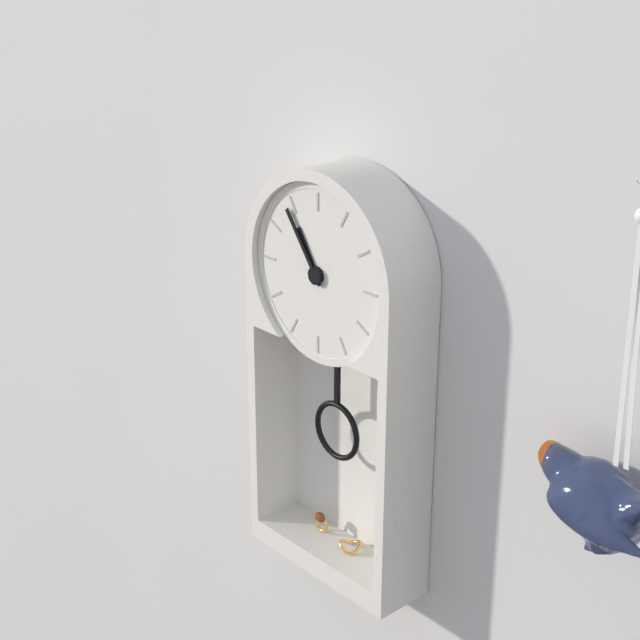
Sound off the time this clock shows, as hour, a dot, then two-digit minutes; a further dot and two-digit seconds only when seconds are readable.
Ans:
10.54
